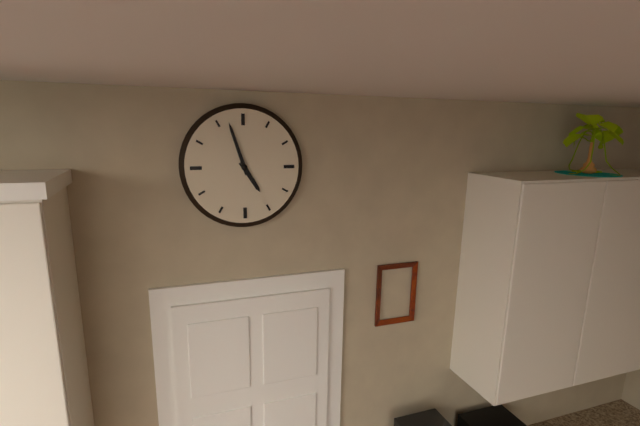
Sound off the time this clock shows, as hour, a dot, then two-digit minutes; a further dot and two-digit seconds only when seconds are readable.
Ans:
4.57
